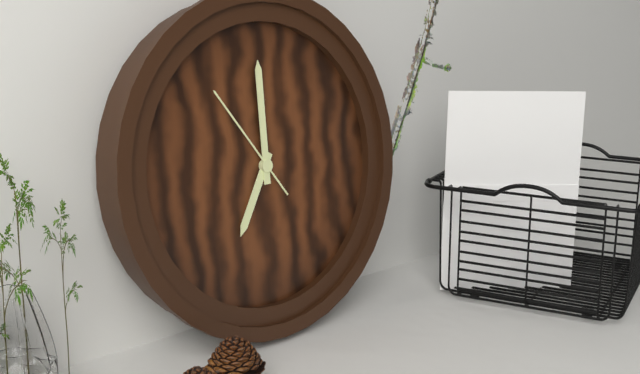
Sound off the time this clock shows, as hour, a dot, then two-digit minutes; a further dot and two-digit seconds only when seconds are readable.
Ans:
7.00.54
